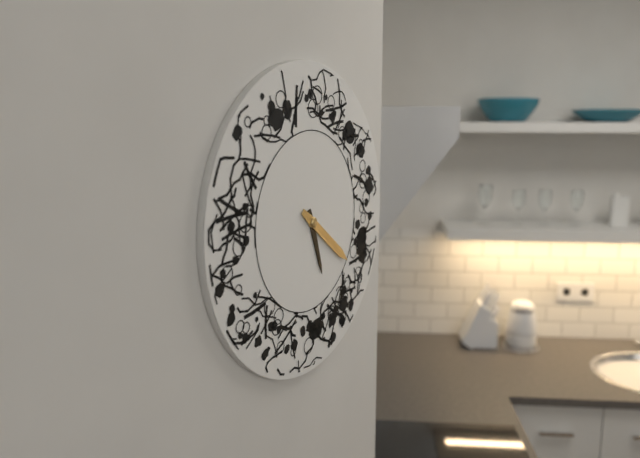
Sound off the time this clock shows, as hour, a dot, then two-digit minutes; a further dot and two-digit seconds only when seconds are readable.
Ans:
5.21
